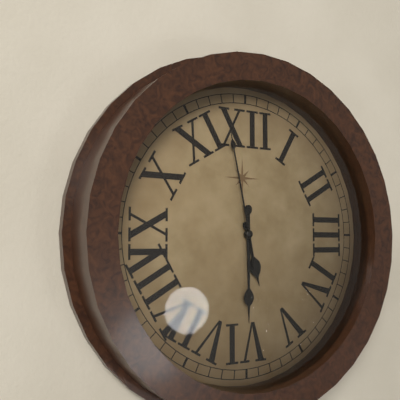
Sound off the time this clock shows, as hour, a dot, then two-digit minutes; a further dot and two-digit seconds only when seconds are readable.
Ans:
5.30.58
